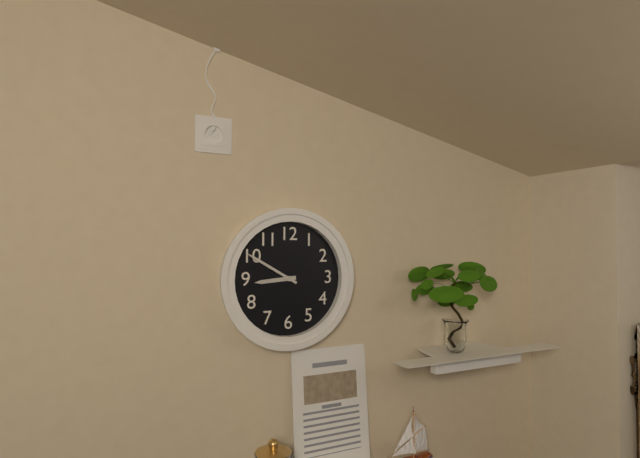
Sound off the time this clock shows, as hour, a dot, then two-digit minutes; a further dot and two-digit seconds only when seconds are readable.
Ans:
8.50
